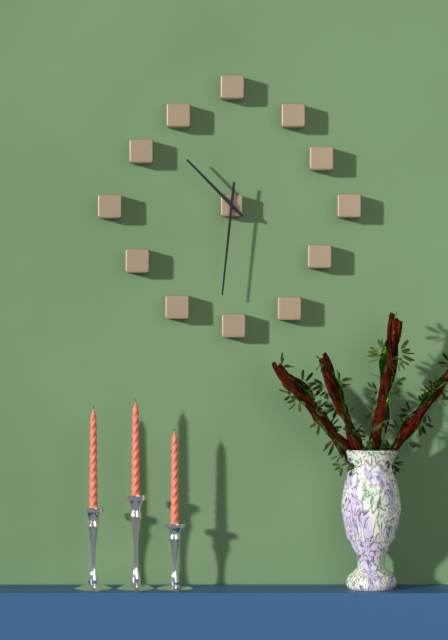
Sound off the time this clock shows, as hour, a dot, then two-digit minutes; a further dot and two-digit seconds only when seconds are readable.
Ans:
10.31
